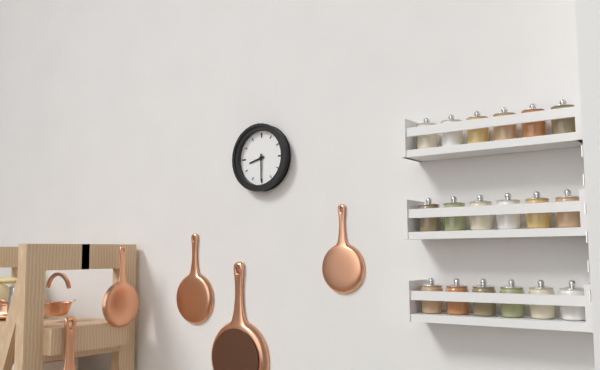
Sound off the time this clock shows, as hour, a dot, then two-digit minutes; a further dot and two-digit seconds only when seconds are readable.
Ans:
8.30
